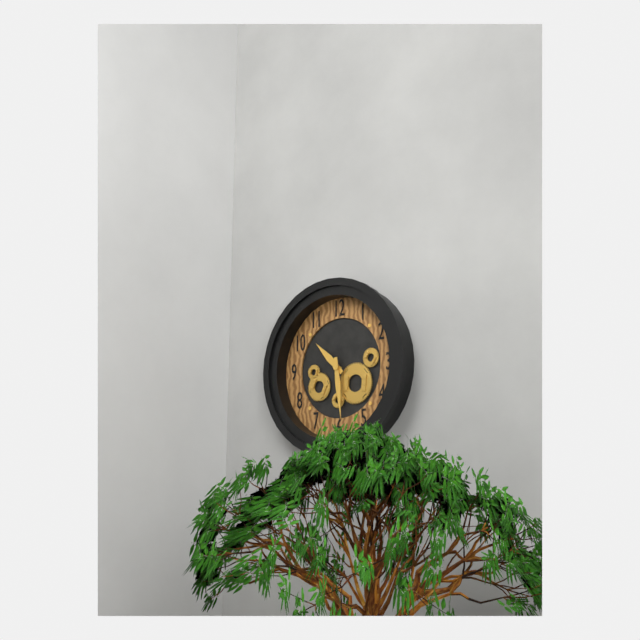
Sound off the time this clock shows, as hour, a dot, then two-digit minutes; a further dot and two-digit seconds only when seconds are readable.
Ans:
10.29
